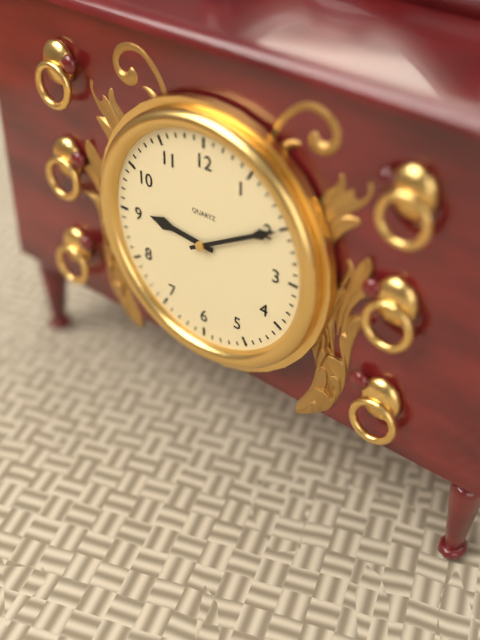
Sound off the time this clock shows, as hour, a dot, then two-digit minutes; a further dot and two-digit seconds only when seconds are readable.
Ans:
9.10
